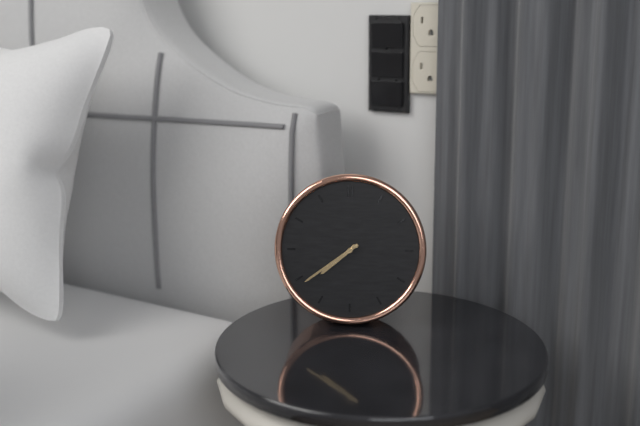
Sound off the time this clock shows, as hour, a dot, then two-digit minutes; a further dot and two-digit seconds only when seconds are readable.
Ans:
7.39
